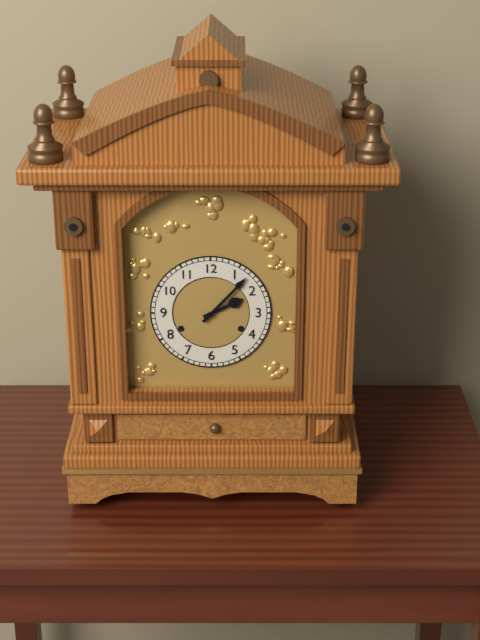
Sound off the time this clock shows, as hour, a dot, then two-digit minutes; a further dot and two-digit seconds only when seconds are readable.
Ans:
2.07
